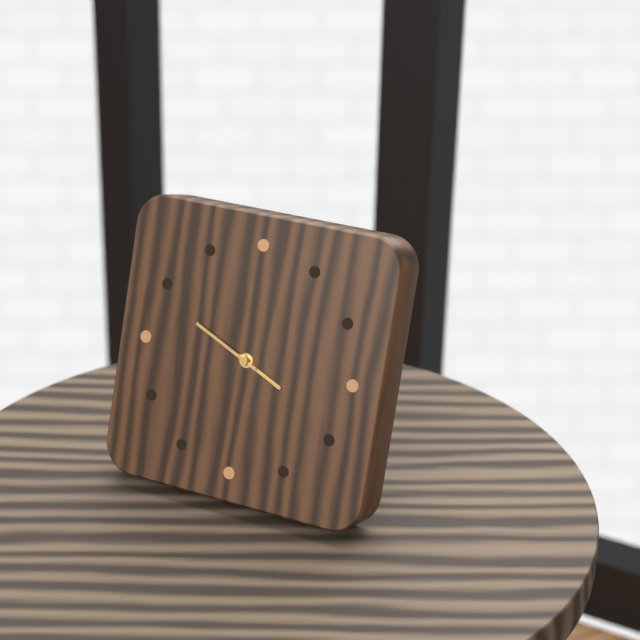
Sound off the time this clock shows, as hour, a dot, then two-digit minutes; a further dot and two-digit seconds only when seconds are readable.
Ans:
3.49
